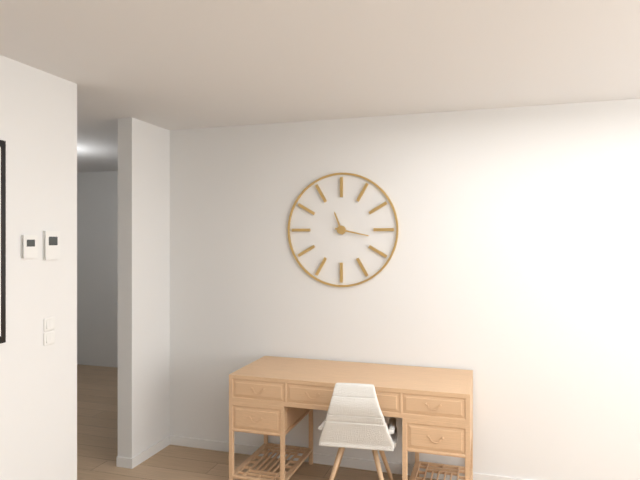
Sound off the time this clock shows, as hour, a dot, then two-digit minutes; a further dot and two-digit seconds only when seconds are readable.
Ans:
11.17
